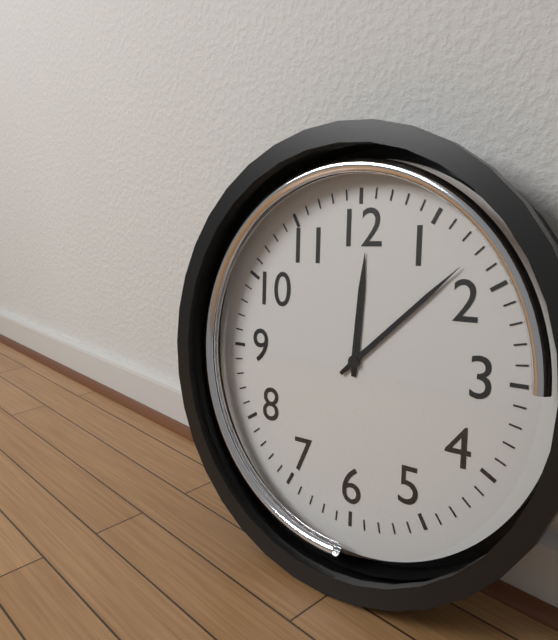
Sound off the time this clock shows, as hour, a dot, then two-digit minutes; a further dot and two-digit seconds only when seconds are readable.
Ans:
12.08
